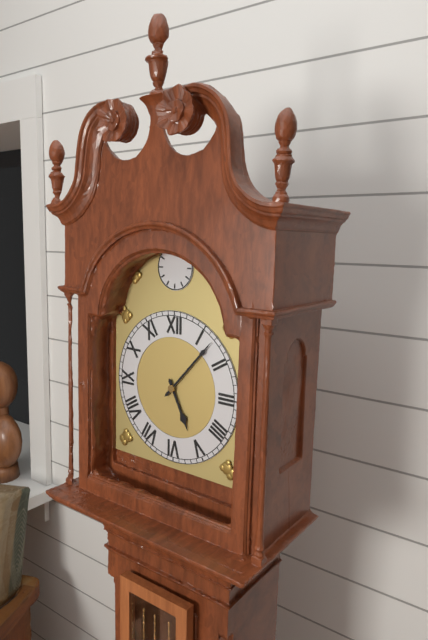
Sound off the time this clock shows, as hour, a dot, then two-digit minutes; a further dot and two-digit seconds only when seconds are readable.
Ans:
5.07
